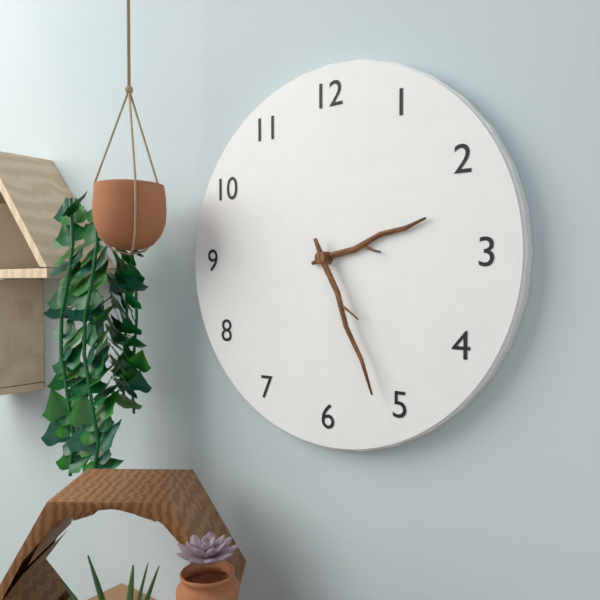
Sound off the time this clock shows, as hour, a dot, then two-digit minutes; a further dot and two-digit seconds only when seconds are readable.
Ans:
2.26
